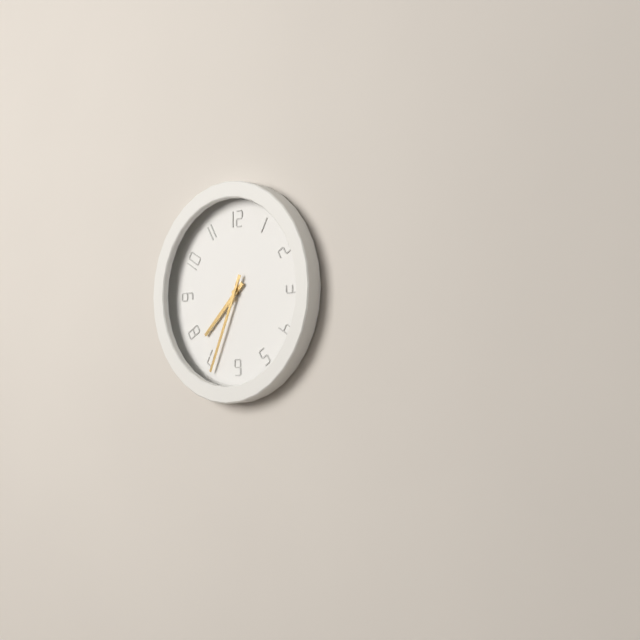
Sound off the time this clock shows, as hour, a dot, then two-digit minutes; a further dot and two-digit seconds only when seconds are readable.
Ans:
7.34
